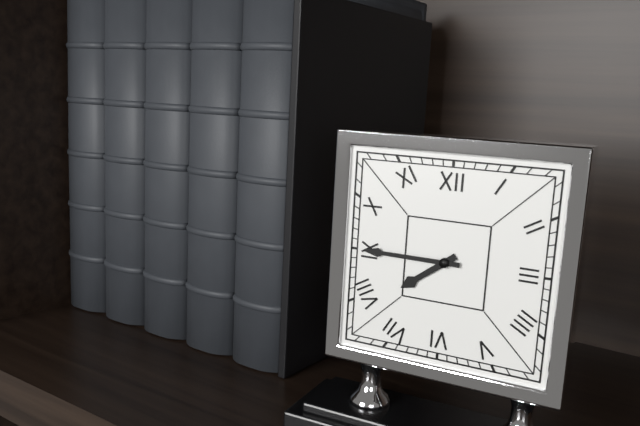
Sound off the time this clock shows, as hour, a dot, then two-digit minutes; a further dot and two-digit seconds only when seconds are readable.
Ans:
7.45
